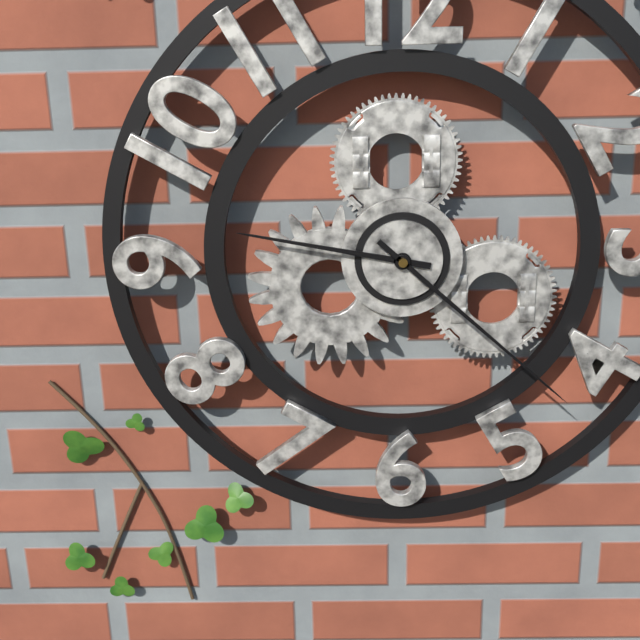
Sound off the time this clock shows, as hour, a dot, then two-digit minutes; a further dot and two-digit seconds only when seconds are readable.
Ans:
9.22
